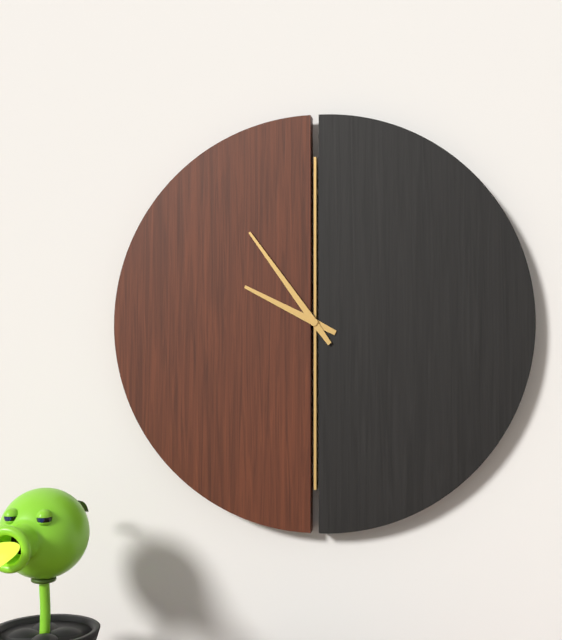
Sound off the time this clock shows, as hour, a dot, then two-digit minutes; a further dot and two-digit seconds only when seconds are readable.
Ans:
9.54
